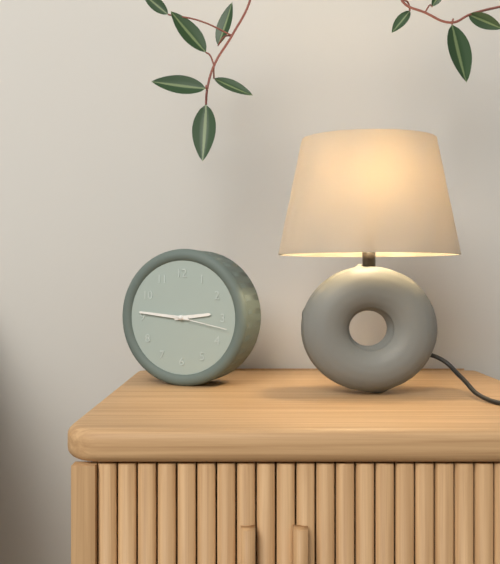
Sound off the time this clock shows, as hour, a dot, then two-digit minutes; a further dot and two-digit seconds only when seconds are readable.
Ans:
2.46
